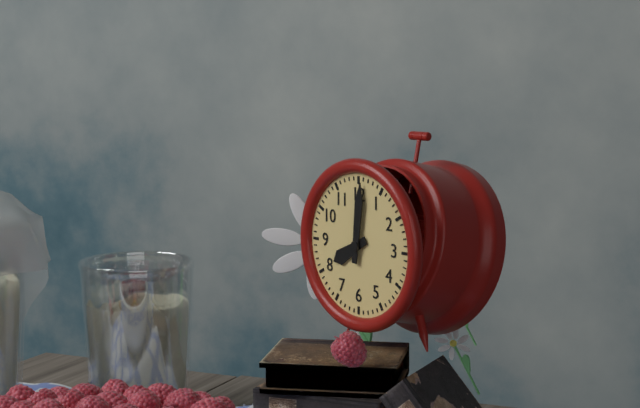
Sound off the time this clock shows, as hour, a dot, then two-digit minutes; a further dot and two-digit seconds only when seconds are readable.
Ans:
8.01
